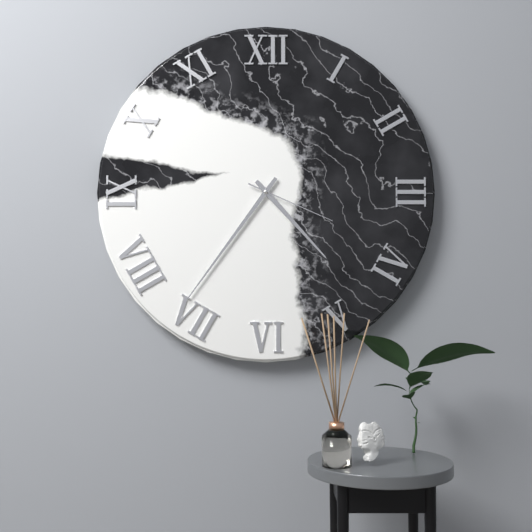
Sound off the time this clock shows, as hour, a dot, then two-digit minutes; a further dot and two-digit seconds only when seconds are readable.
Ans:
4.36.19
